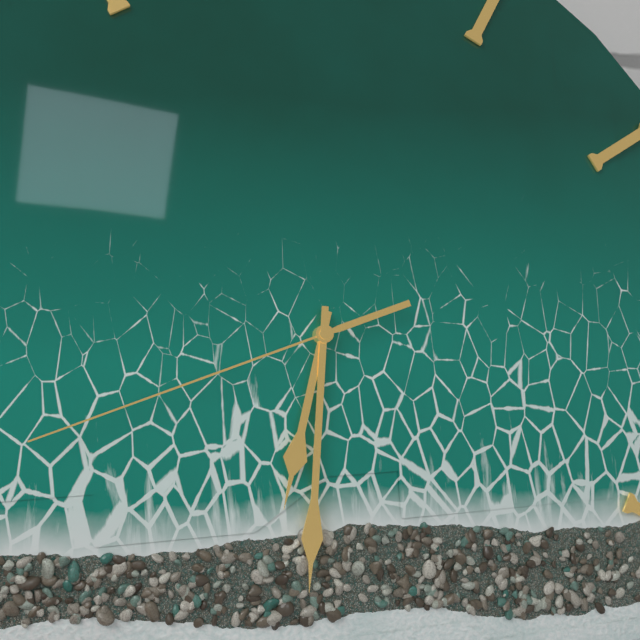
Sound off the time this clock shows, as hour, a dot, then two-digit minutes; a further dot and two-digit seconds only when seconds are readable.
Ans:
6.31.42
